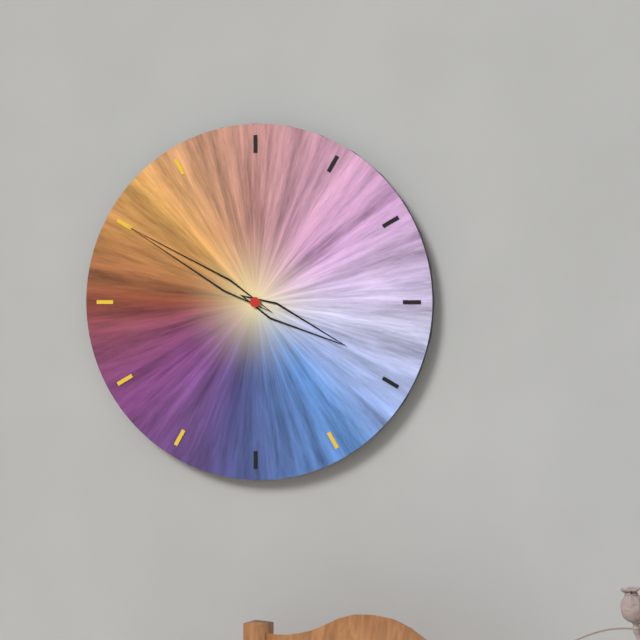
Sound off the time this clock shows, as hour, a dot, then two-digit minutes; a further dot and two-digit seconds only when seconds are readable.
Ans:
3.50
